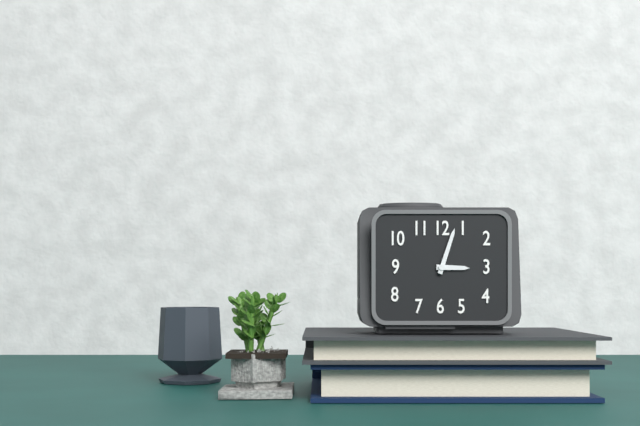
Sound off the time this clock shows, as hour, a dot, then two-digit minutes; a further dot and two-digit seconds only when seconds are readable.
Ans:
3.03
